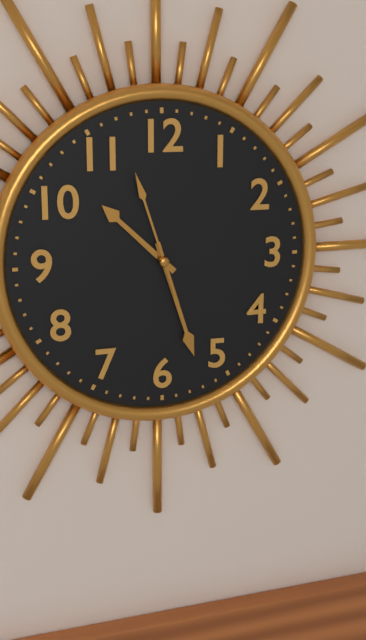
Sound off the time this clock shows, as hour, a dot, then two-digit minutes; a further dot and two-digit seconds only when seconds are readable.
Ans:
10.27.57
